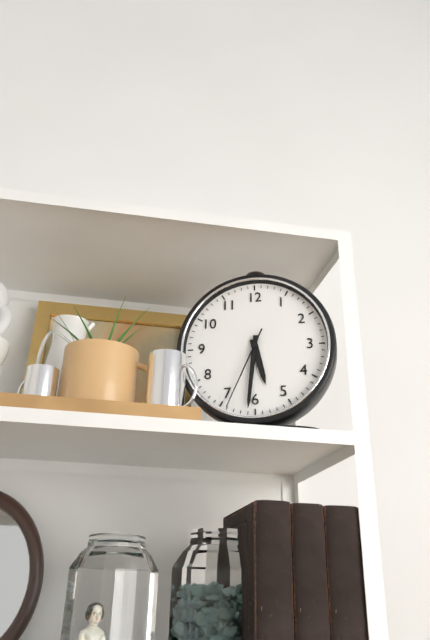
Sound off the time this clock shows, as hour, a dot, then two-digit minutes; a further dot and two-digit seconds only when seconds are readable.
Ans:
5.31.34
